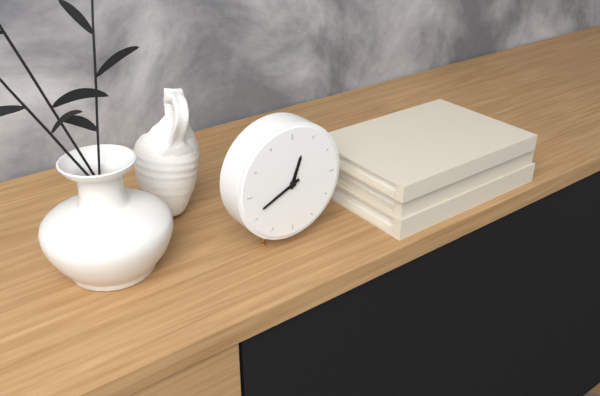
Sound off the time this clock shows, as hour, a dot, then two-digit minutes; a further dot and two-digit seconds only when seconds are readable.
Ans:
12.41
